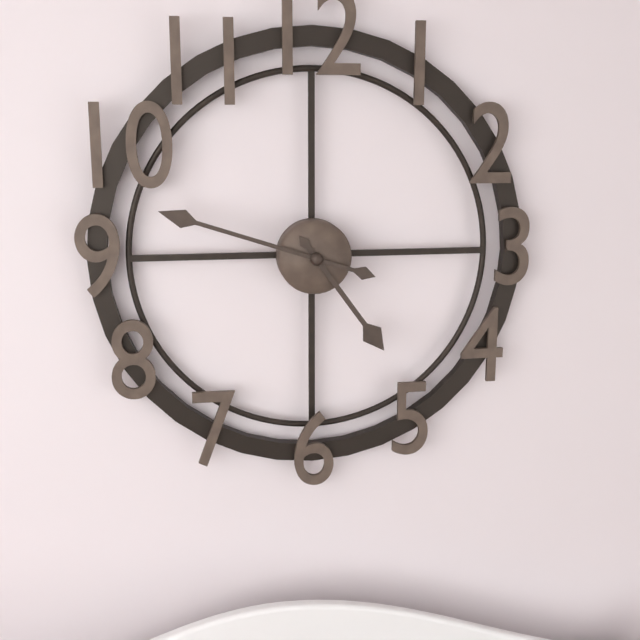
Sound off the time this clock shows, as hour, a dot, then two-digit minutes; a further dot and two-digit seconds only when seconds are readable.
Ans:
4.48
